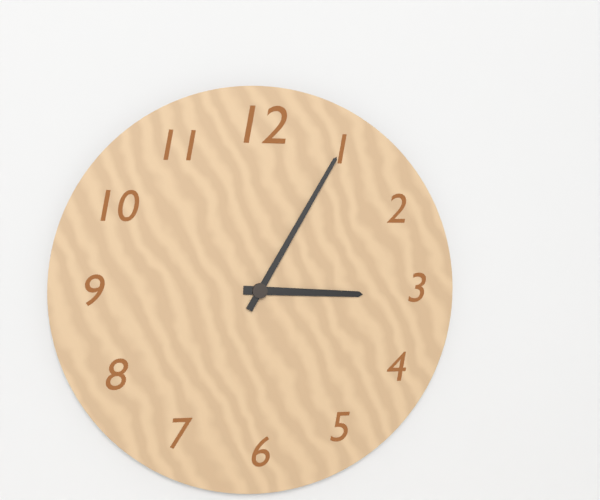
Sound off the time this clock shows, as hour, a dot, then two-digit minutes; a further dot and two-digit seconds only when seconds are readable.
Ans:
3.05
